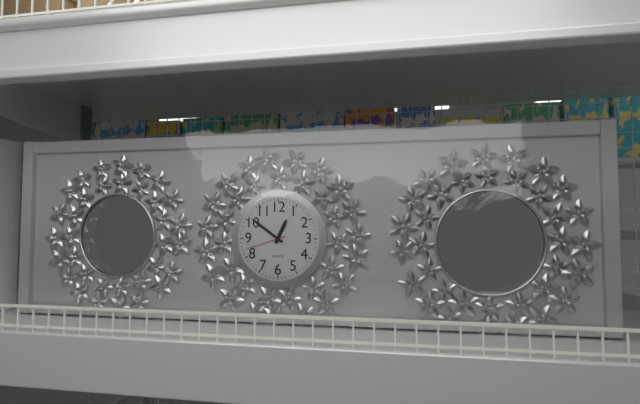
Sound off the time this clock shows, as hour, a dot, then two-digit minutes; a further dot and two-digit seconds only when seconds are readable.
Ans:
12.51
